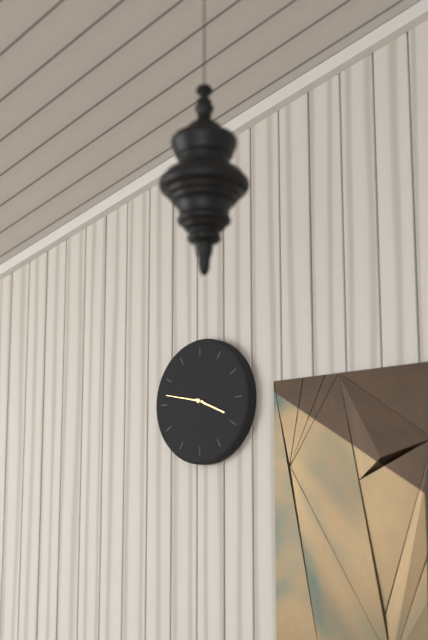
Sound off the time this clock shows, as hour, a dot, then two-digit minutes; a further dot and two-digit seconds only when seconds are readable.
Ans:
3.47
